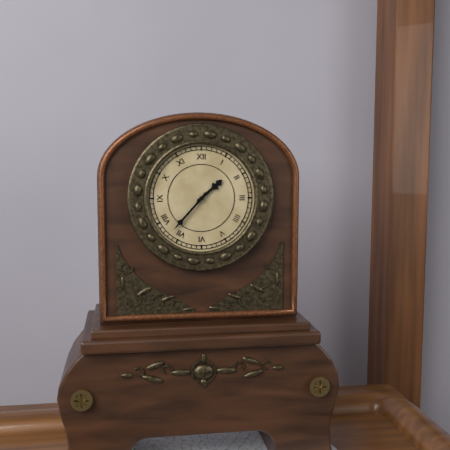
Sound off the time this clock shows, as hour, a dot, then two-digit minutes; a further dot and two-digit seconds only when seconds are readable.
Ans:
1.37
